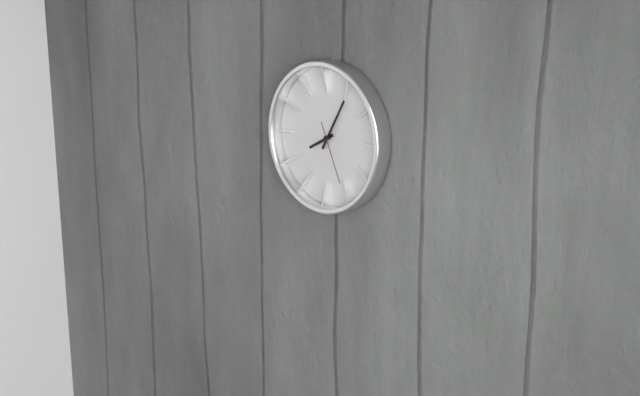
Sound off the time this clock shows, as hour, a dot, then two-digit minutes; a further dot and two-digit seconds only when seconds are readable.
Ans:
8.05.26
